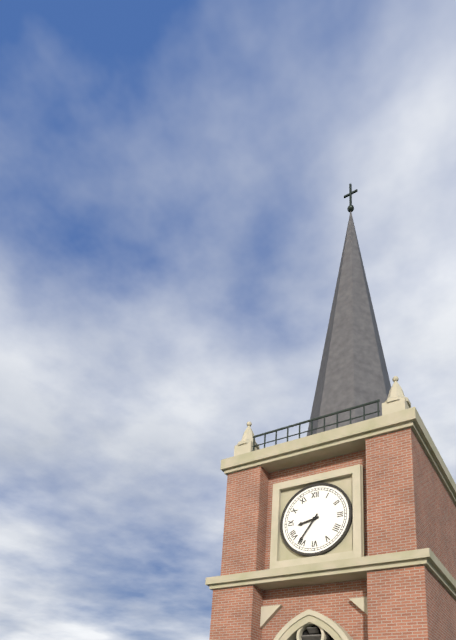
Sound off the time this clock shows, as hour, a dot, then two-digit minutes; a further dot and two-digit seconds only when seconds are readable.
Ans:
8.36
